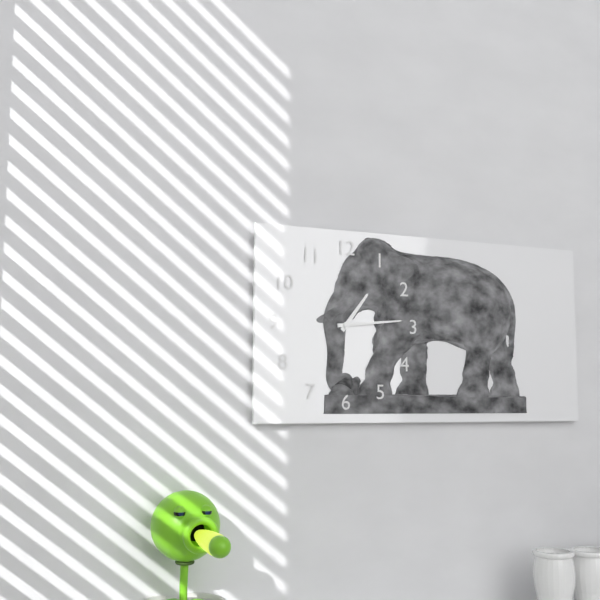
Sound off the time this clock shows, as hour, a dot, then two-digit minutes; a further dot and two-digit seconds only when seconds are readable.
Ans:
1.14
